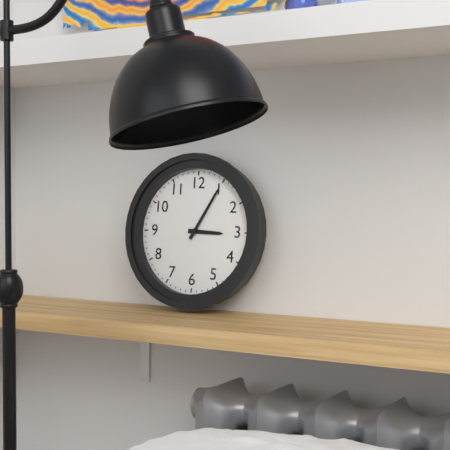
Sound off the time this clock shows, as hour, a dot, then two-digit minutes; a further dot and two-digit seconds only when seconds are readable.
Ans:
3.05
